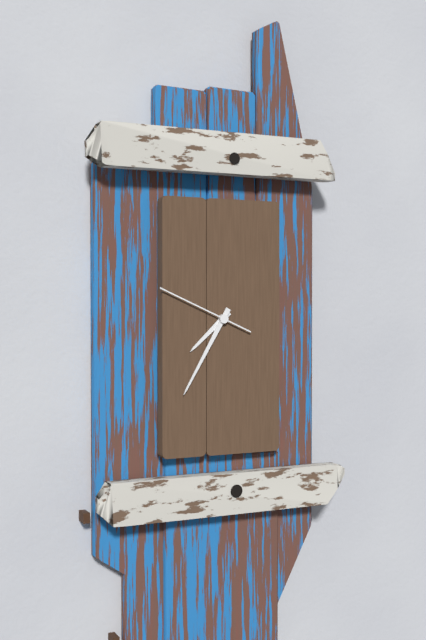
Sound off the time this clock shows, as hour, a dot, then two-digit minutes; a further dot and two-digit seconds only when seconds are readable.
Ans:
7.35.49
